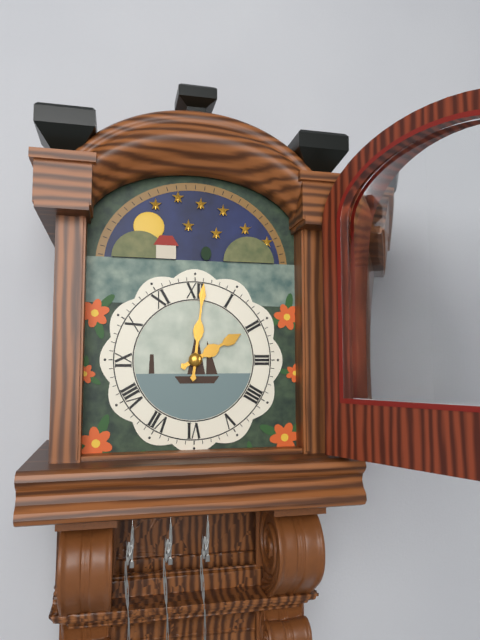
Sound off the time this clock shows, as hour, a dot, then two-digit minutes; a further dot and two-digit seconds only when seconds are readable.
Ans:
2.01
